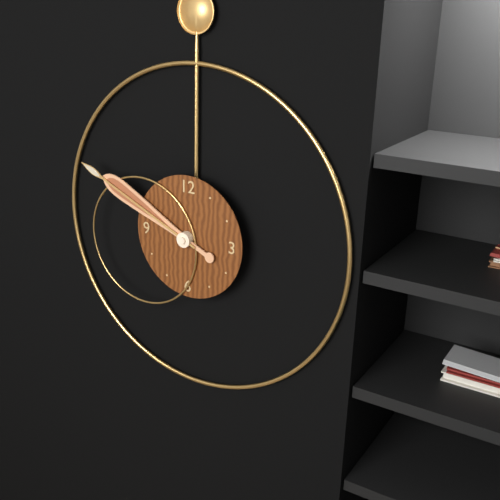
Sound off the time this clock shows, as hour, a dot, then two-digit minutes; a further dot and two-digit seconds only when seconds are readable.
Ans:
9.49
